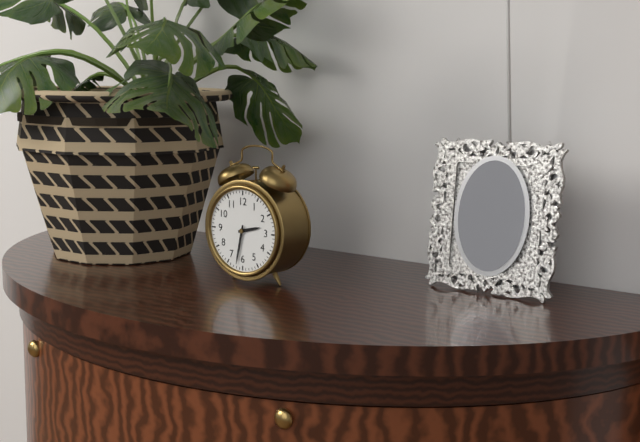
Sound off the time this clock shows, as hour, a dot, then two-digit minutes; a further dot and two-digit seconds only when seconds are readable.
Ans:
2.32
